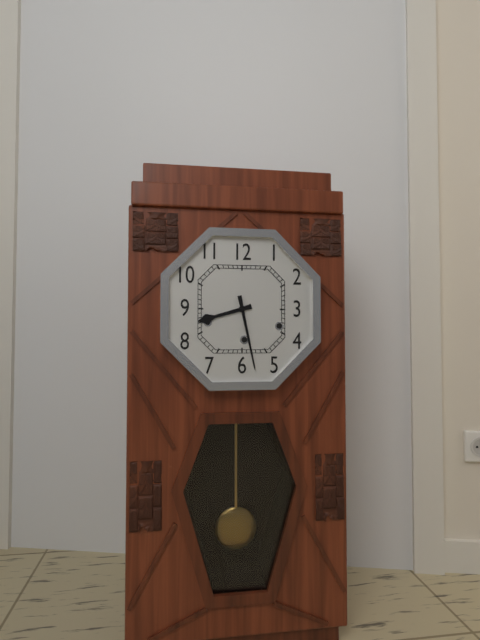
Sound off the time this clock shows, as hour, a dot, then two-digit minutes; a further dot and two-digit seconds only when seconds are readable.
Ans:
8.28
